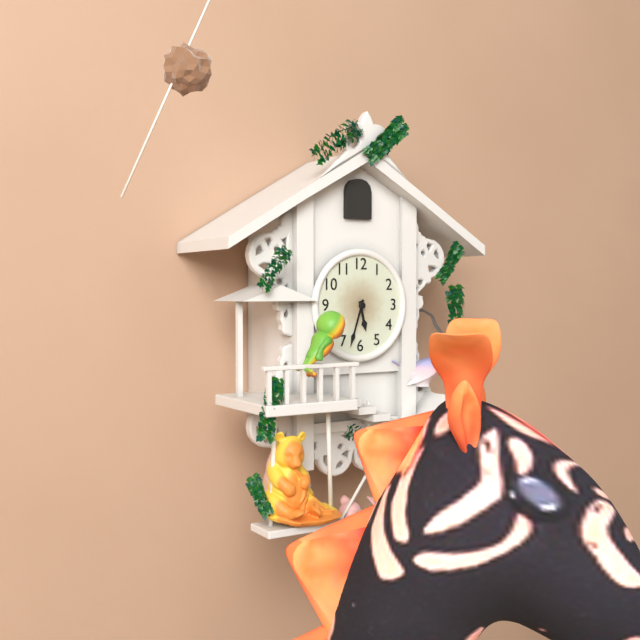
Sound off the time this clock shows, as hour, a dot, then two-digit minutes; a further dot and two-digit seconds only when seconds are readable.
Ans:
5.33
